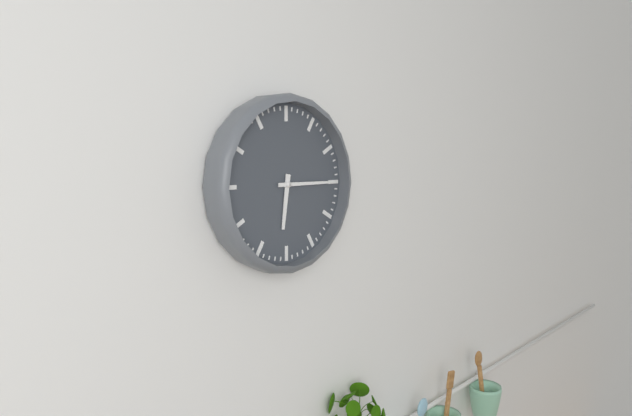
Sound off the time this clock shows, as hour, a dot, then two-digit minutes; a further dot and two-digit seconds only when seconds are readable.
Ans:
6.15
